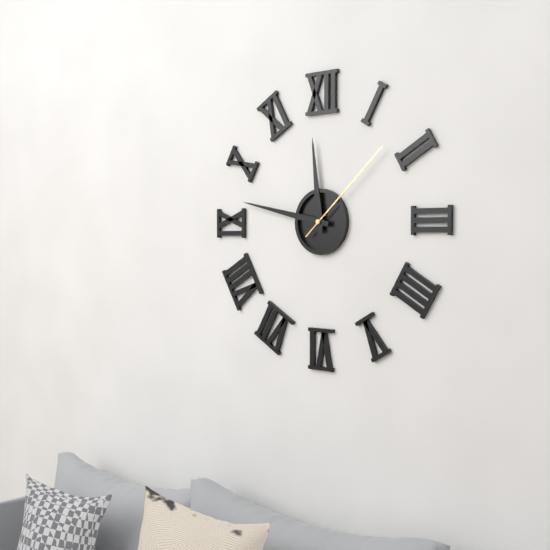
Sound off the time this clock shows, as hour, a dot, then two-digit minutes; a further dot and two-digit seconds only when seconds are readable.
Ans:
11.47.08
